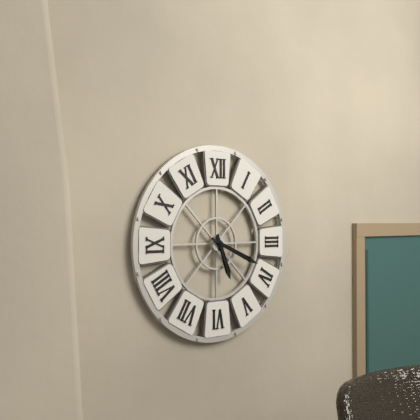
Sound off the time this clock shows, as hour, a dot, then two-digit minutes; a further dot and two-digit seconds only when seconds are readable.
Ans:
5.19
